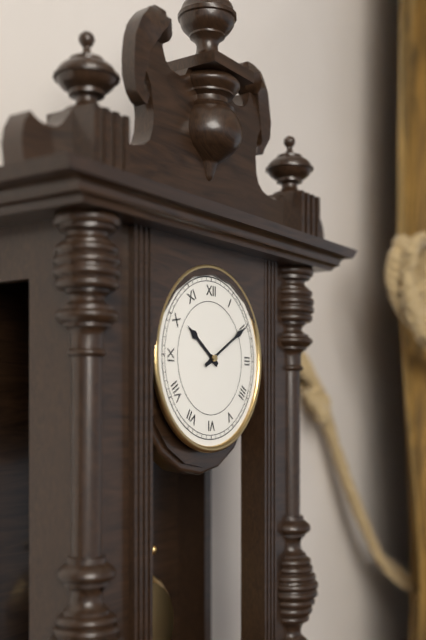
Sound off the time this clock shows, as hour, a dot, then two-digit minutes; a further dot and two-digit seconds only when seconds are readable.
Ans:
10.10
